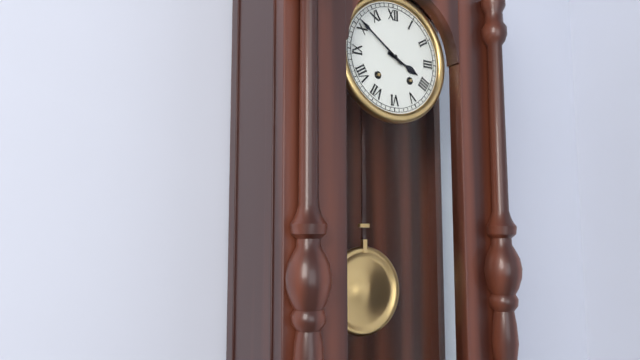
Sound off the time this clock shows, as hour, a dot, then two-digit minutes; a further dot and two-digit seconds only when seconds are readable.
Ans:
3.51
